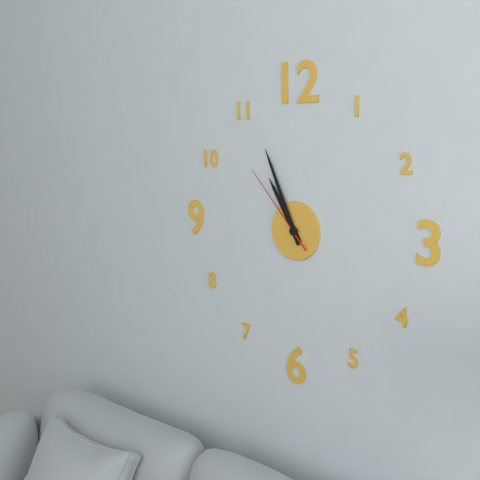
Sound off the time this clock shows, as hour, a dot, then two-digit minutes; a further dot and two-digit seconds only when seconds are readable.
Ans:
10.56.53
